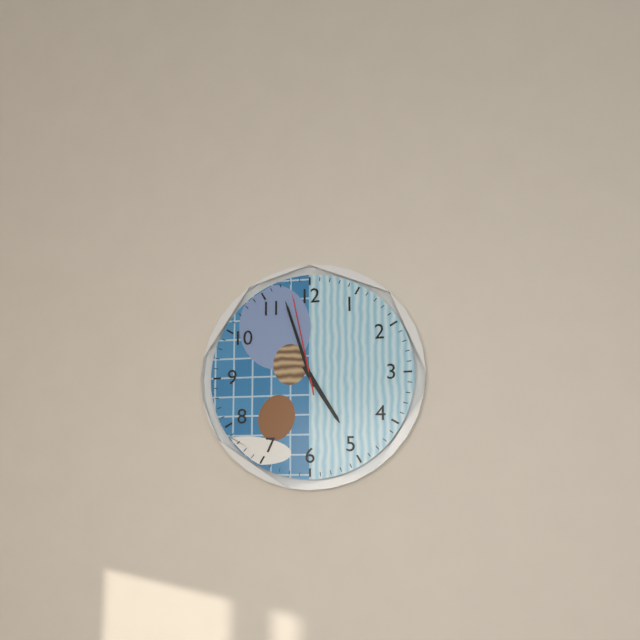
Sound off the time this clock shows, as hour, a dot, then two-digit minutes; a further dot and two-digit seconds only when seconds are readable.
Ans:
4.57.58
